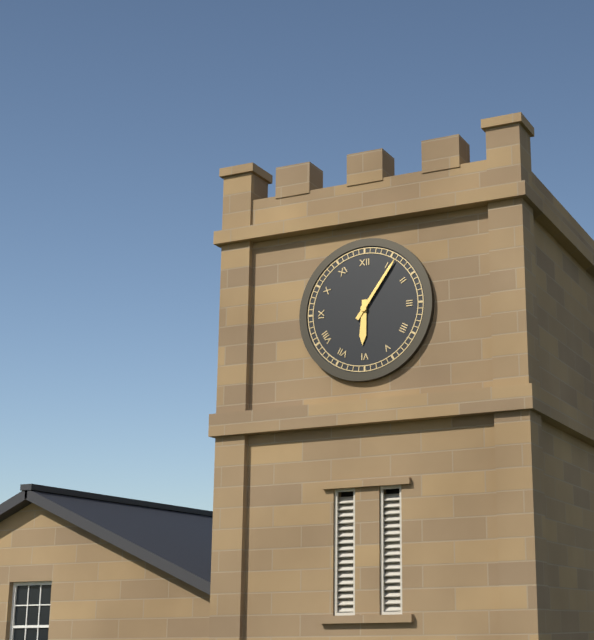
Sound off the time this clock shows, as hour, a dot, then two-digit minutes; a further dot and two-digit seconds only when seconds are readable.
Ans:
6.06
